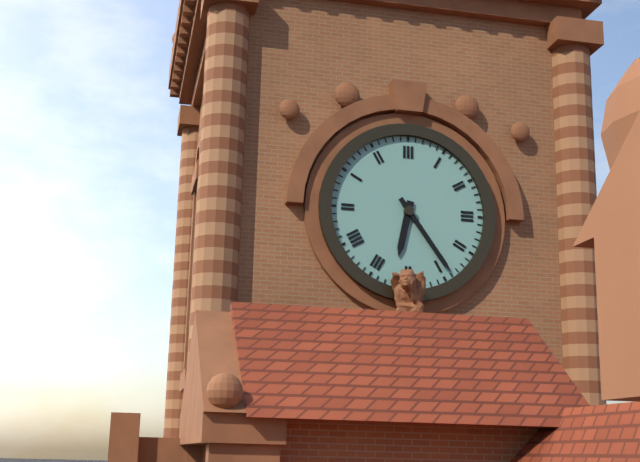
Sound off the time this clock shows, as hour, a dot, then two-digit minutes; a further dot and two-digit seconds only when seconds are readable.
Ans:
6.24
